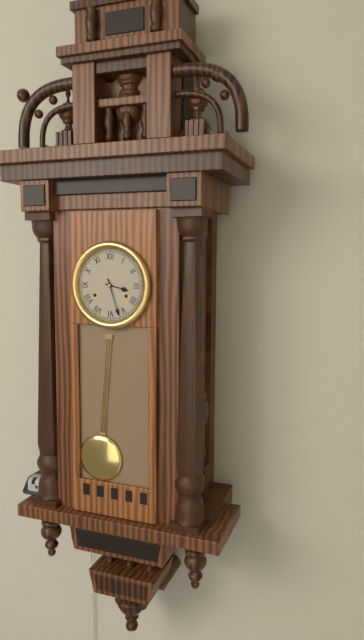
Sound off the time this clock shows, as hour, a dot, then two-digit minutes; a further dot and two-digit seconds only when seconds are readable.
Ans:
3.27
